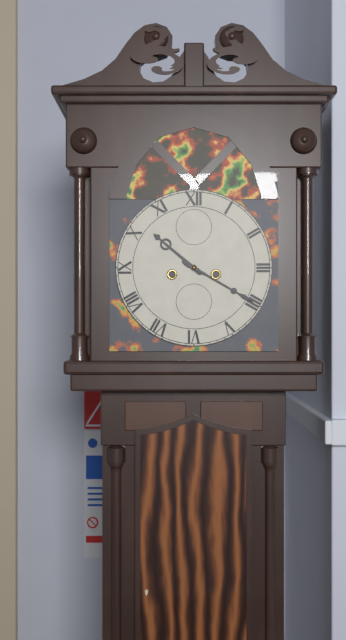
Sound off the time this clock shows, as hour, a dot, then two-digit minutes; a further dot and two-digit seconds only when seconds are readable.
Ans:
10.20
